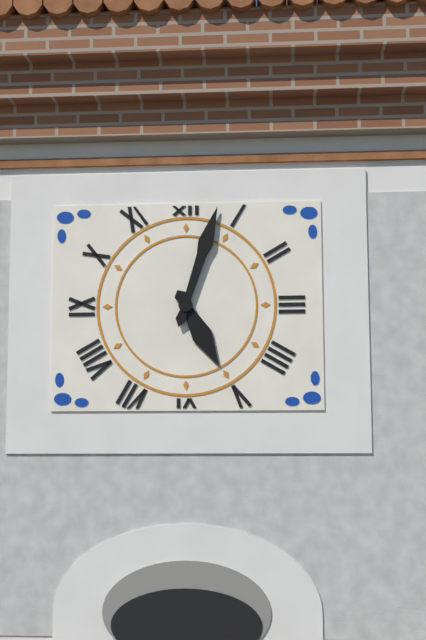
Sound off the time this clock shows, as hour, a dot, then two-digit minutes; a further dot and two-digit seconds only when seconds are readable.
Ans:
5.03
